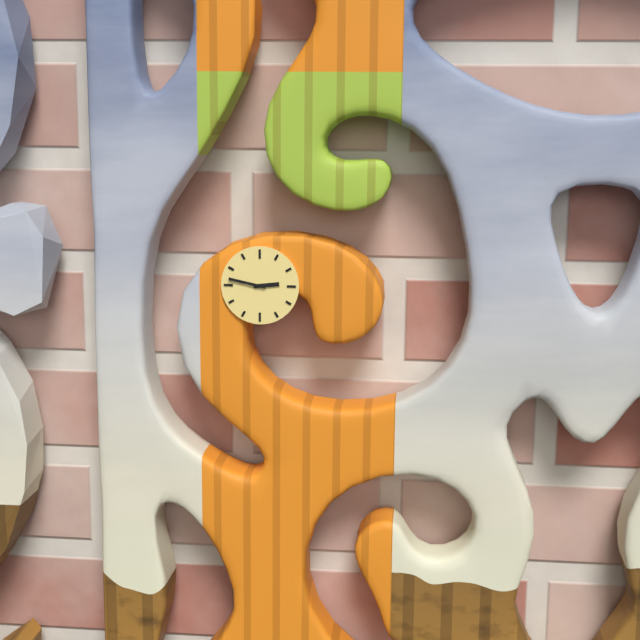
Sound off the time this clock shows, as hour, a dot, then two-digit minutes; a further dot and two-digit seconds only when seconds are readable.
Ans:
2.47
